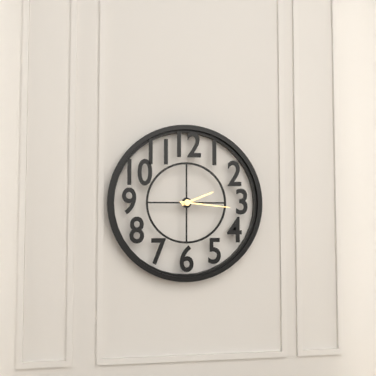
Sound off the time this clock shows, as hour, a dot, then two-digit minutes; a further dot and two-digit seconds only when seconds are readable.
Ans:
2.16
